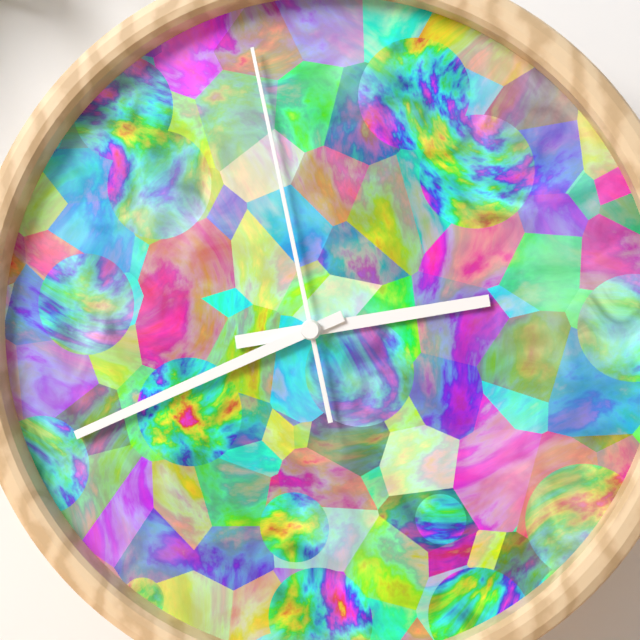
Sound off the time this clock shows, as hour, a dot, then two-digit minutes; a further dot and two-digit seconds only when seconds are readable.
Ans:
2.41.58
